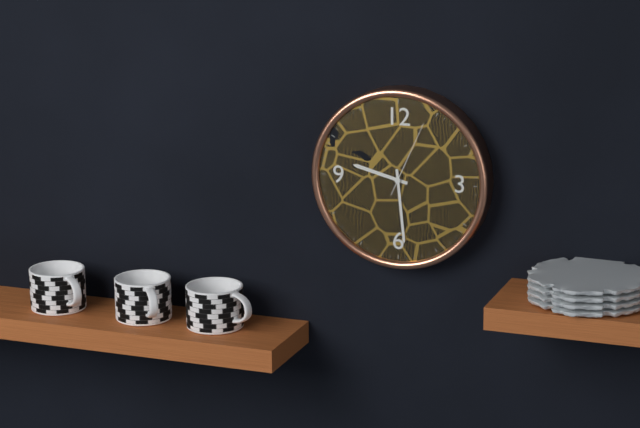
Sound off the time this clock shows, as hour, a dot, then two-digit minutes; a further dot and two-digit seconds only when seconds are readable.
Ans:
9.29.04
